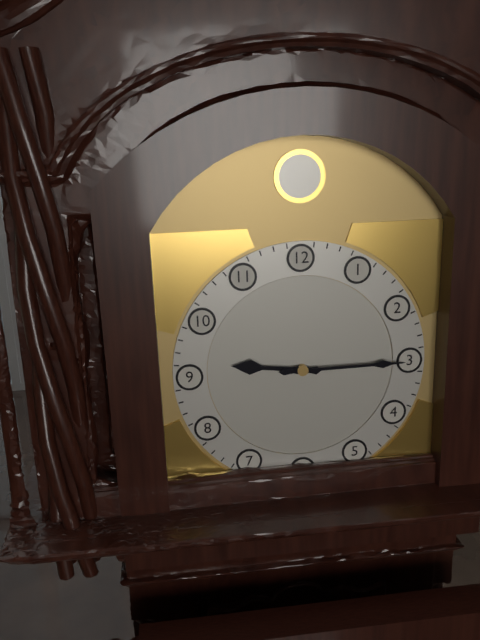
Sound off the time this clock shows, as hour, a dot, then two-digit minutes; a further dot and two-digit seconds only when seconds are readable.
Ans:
9.15
